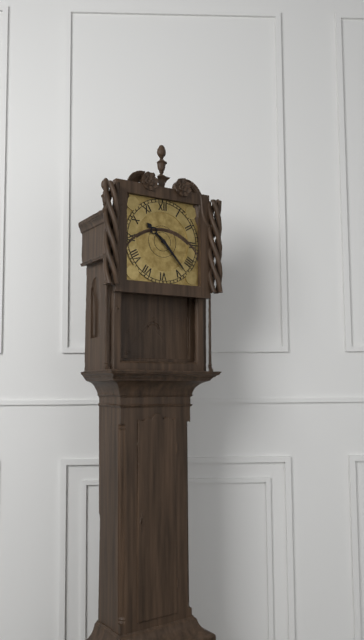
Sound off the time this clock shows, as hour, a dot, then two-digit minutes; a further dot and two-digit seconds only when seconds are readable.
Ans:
10.23
